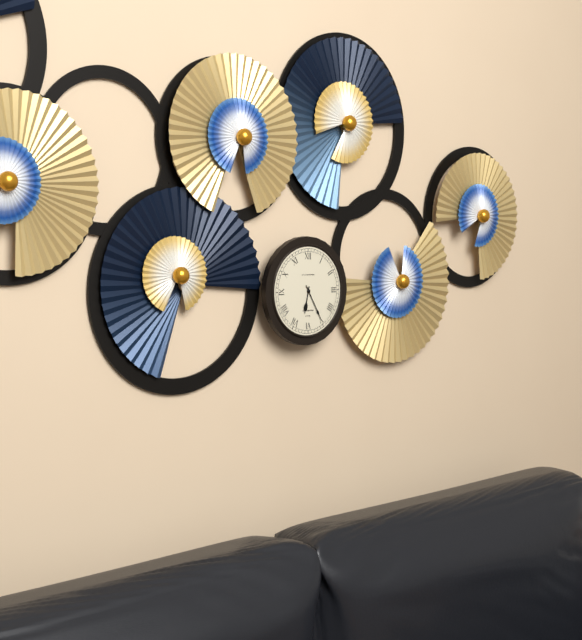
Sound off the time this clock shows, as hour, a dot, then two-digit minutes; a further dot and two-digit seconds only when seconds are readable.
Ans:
6.25
